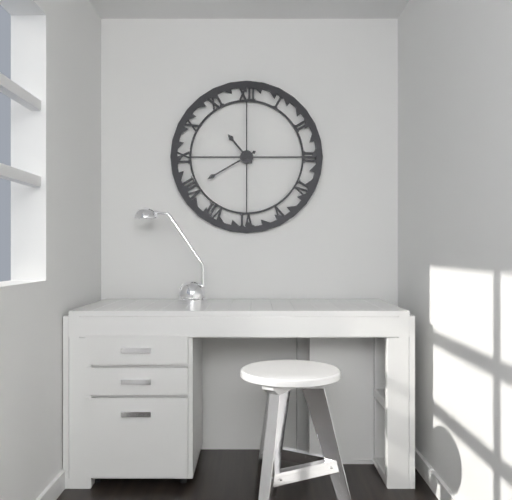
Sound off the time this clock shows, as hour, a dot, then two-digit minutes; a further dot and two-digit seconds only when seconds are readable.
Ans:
10.40
